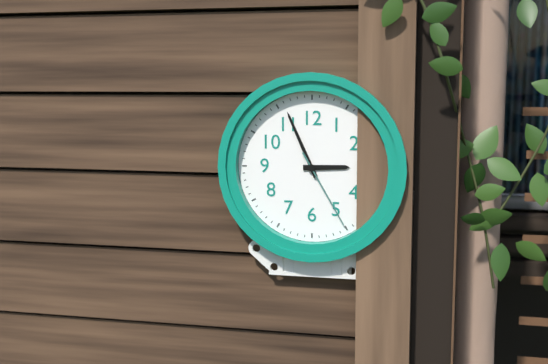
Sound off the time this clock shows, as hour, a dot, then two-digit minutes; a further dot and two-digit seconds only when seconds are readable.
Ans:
2.56.25
